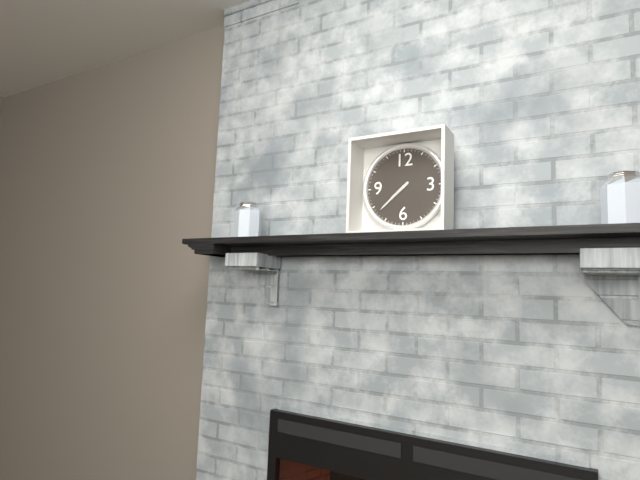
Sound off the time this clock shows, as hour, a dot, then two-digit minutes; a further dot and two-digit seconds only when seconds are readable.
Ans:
7.38
